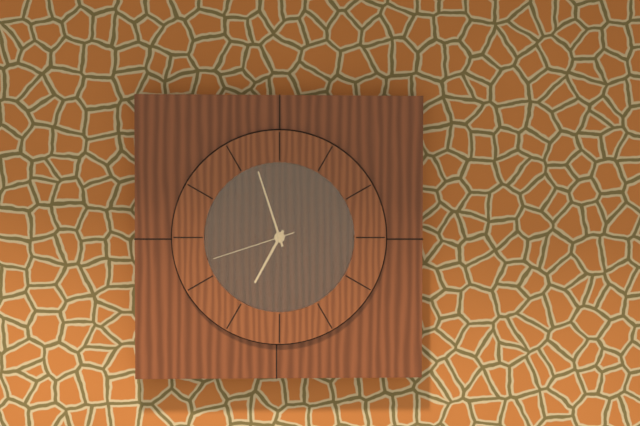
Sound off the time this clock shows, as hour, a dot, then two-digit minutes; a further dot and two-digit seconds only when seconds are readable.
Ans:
6.57.42
